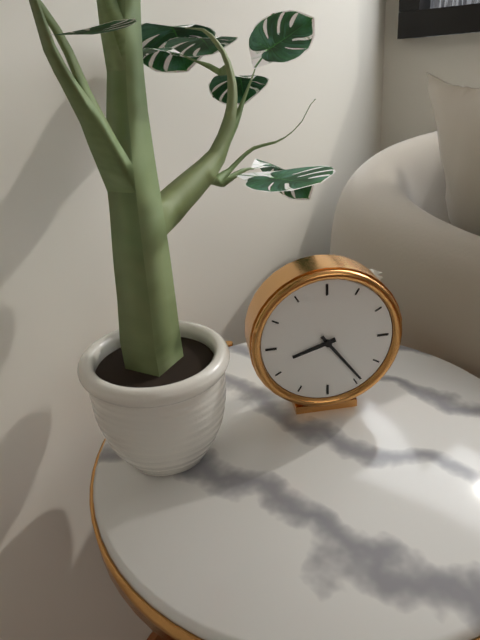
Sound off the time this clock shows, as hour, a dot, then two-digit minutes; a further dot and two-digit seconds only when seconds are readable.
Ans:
8.24
